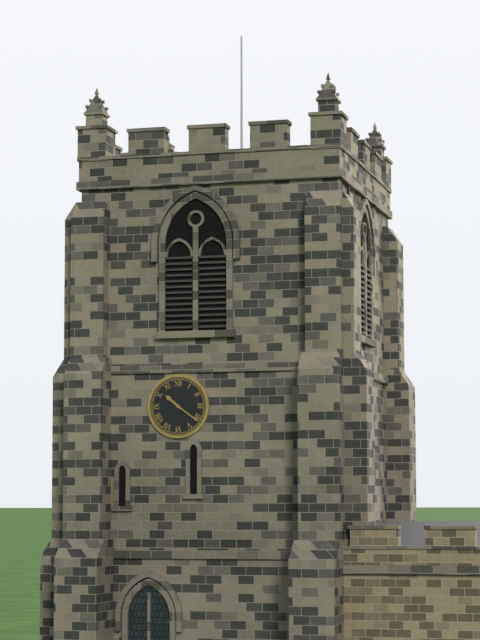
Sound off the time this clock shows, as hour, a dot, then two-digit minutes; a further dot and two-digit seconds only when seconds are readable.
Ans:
10.21
